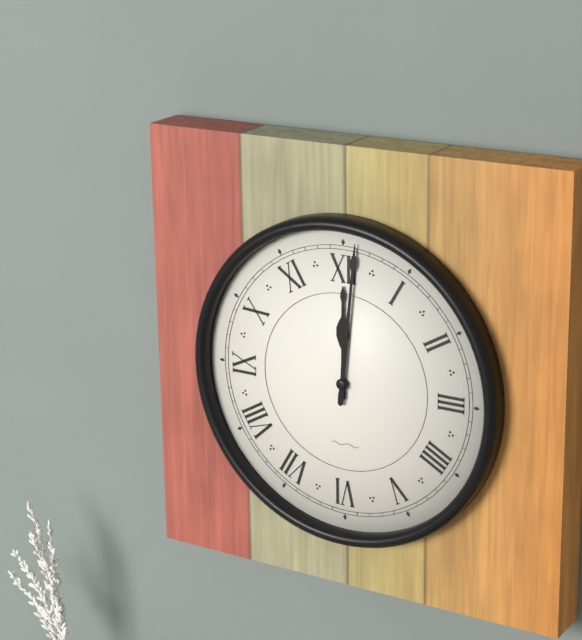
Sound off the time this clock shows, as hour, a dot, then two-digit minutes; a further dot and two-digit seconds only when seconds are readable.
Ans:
12.01
